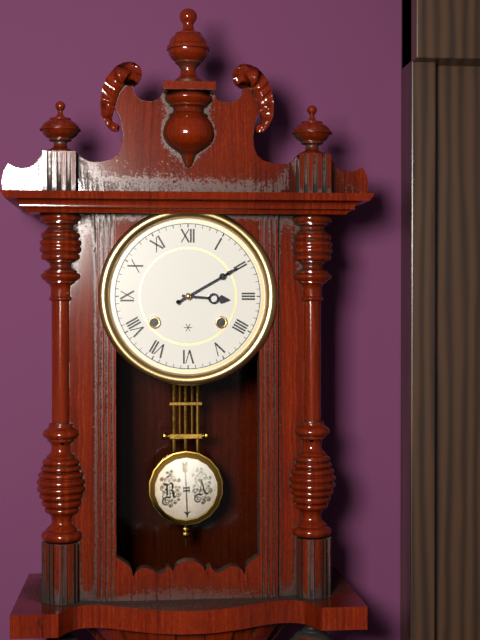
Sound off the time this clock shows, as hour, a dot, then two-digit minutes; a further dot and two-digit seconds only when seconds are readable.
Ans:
3.10
